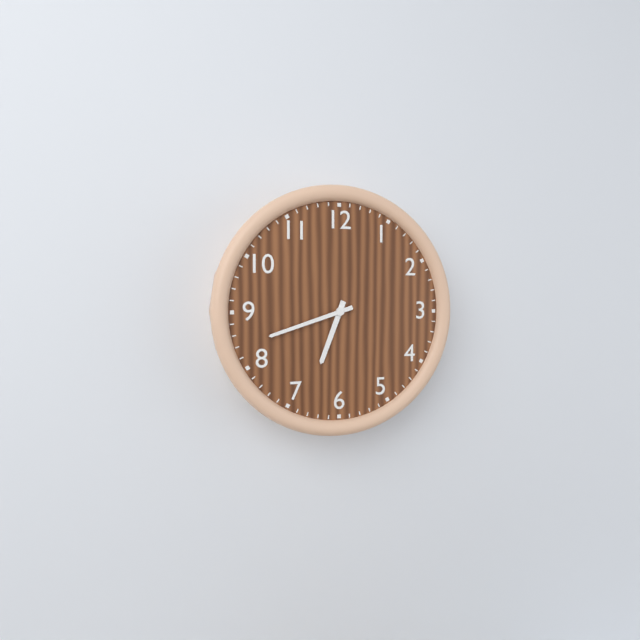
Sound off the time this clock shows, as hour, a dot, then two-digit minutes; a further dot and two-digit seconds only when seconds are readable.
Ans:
6.42
